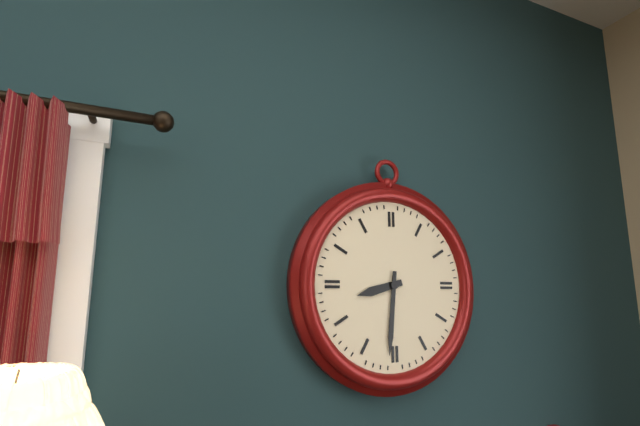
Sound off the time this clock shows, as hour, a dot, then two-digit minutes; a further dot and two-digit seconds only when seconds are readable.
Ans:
8.31
